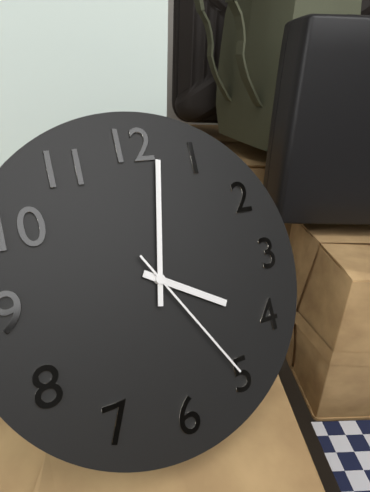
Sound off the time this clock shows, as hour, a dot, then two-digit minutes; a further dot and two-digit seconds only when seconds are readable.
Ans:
4.02.25
